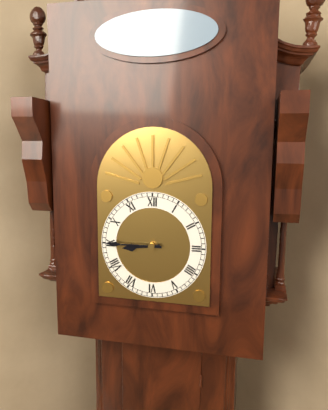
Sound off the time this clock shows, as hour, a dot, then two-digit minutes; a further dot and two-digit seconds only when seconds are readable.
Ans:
8.45
